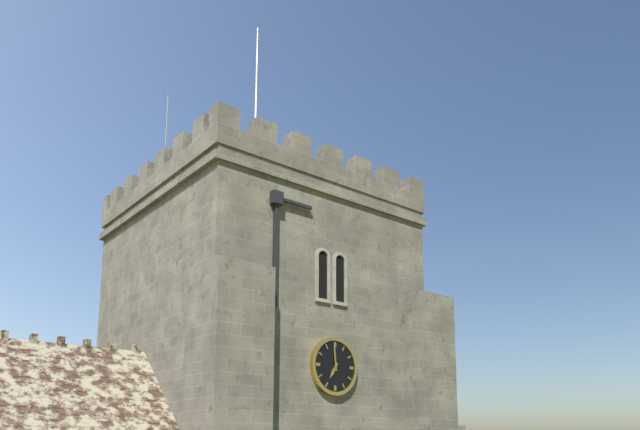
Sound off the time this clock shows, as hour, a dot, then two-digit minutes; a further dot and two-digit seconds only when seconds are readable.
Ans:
6.59
